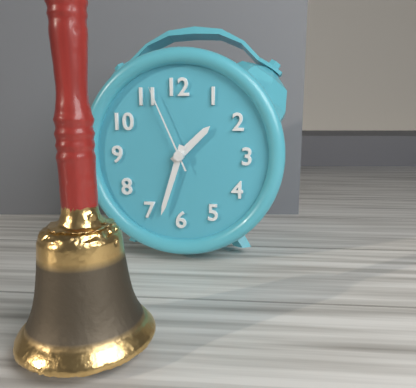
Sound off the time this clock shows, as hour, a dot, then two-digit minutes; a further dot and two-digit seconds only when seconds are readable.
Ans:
1.33.56
